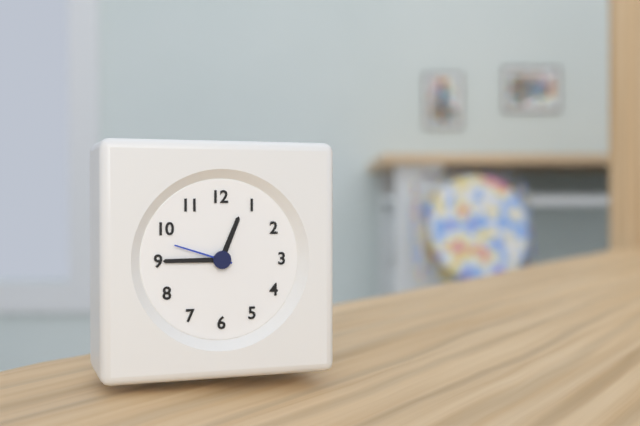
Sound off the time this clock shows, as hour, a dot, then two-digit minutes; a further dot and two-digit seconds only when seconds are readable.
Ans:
12.45.48
